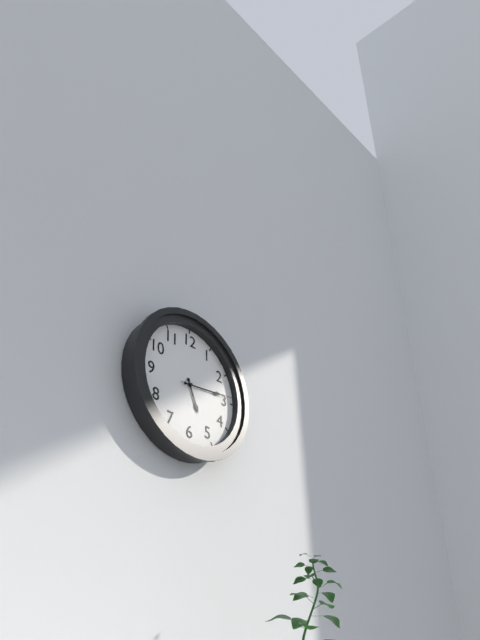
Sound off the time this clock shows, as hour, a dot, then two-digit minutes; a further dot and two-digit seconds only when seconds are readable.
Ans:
5.14.14
